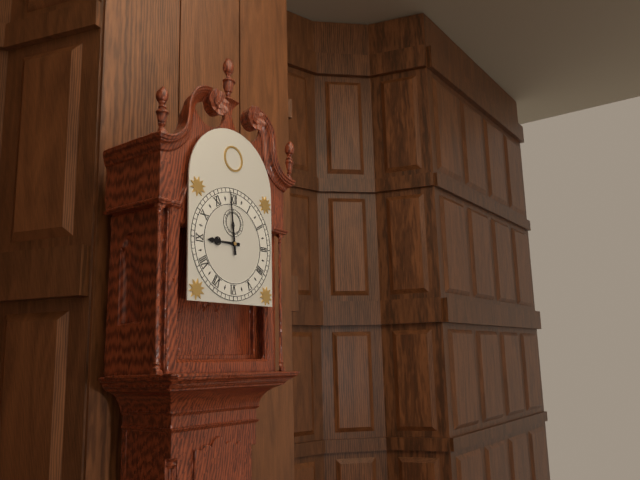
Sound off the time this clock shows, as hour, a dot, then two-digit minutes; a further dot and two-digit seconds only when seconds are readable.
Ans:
8.59
